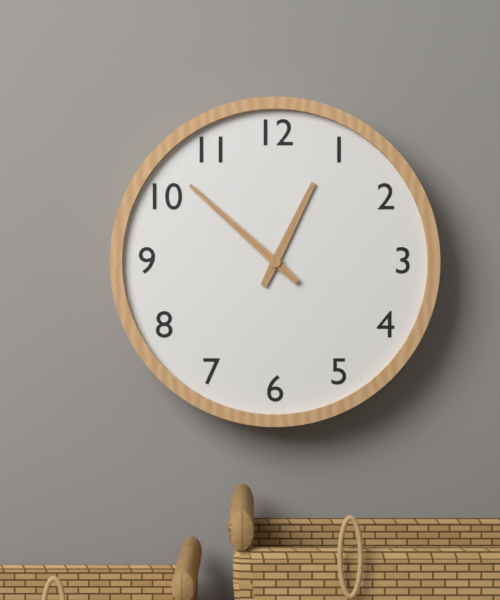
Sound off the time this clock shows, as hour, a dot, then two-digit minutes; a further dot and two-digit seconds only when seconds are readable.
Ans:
12.52
